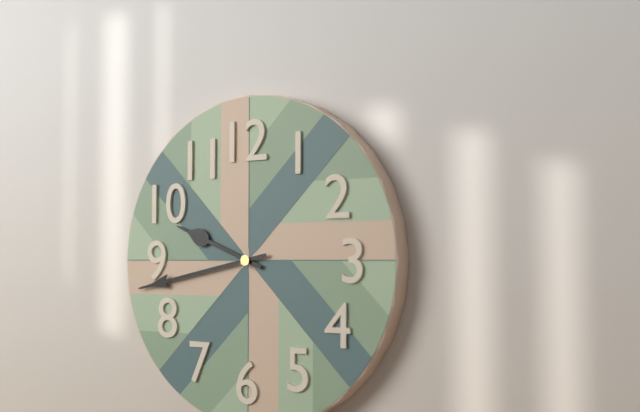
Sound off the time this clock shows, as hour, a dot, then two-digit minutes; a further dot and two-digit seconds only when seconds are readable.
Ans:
9.43
